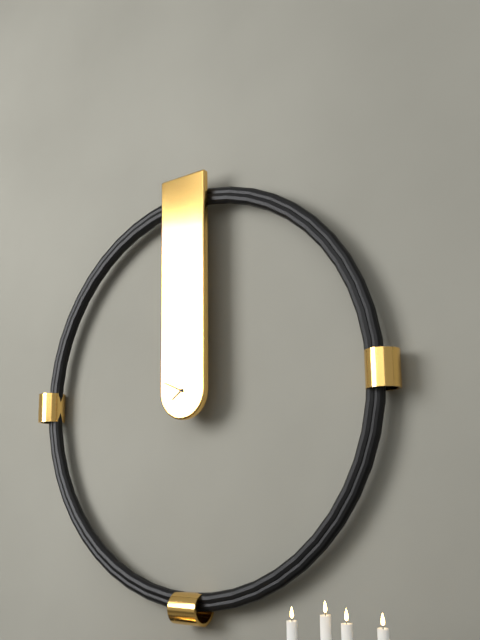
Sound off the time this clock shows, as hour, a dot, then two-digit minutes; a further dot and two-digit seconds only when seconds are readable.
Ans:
7.49
